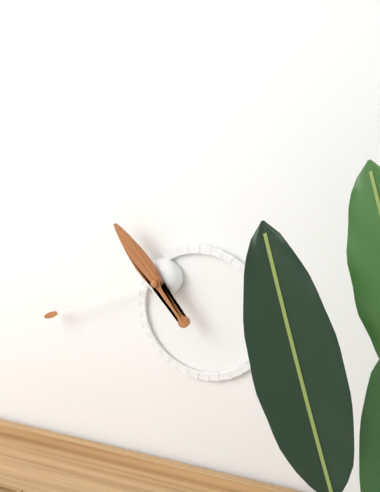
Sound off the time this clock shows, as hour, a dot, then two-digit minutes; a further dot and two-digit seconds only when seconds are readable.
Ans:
10.41
